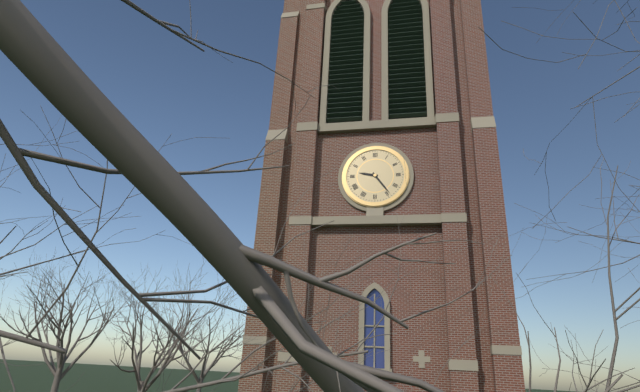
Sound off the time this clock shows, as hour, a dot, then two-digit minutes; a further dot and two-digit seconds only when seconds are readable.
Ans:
9.24
